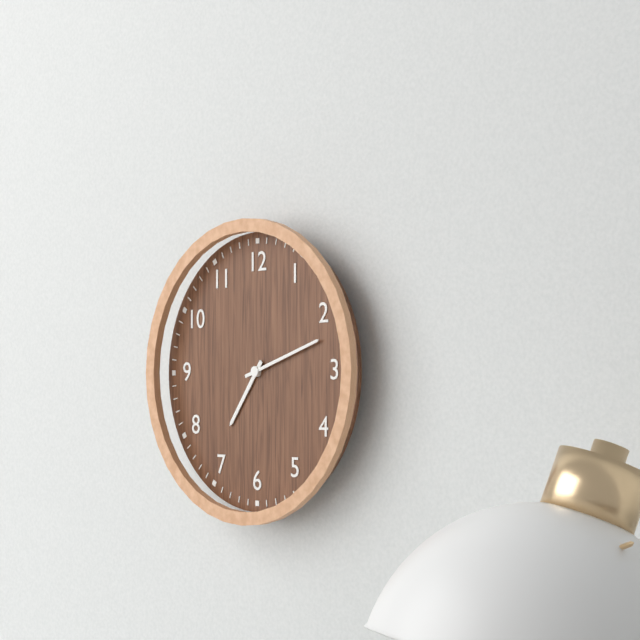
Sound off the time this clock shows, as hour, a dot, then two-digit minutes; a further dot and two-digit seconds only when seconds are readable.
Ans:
7.12
